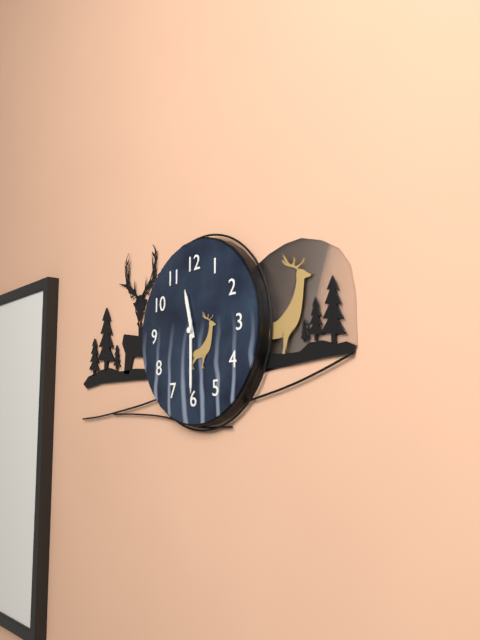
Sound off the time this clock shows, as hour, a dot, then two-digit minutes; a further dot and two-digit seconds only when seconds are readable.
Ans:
11.30
